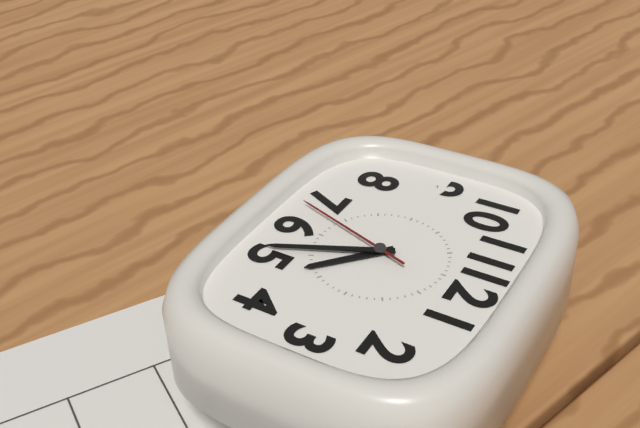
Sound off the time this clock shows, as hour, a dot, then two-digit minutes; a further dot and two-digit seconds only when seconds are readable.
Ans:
4.26.33
